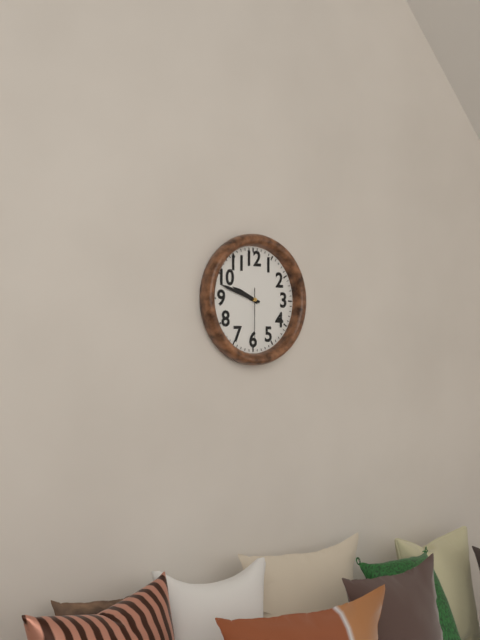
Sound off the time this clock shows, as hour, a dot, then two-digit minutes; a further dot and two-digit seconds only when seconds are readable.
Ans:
9.48.30
